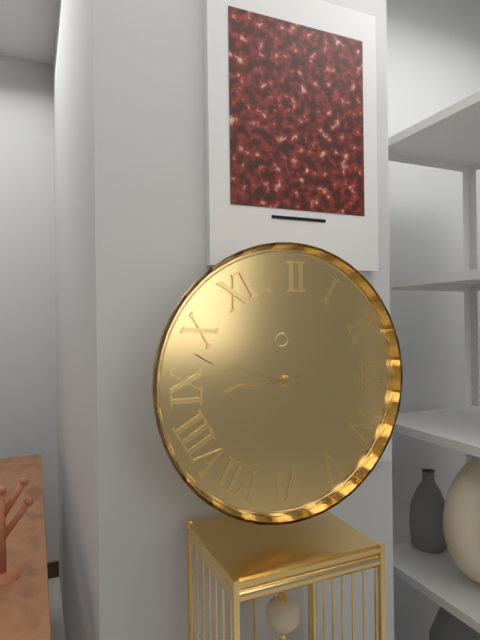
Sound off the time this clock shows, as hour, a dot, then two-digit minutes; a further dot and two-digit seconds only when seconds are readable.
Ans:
8.48
